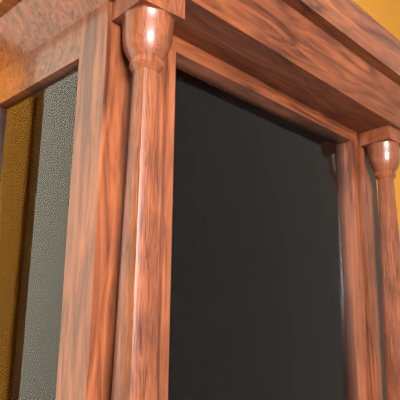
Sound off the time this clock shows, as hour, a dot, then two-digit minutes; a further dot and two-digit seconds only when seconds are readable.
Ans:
5.09
